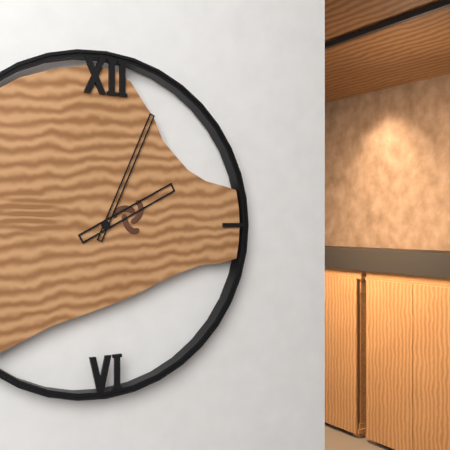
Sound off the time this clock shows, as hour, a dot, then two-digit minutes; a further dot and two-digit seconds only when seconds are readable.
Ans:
2.04
